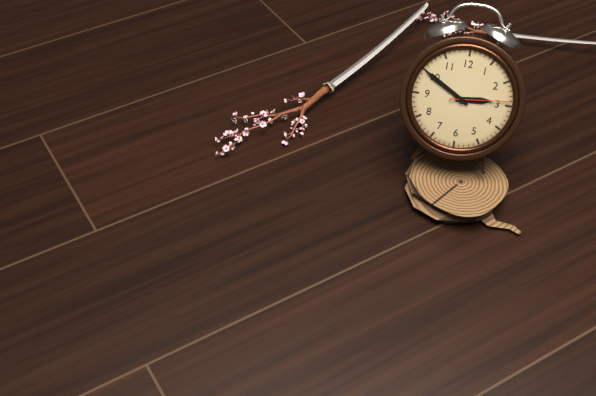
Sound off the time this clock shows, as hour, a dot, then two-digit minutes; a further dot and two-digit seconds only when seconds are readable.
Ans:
2.50.14
